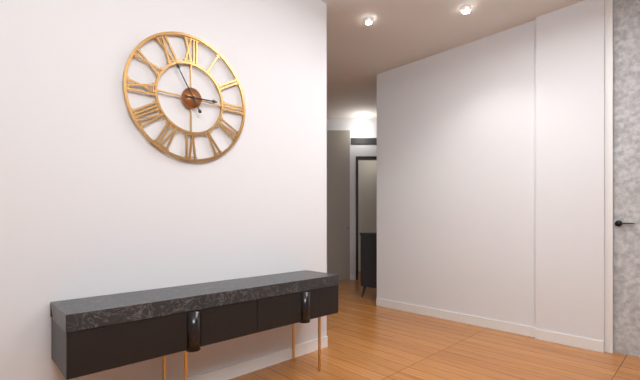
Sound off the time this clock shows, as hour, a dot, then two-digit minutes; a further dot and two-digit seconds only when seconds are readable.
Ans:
2.55
